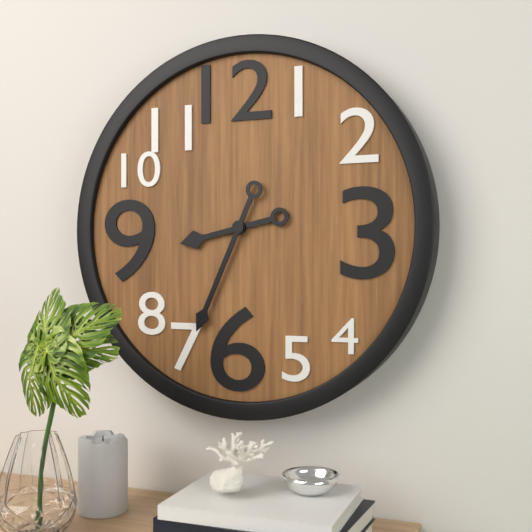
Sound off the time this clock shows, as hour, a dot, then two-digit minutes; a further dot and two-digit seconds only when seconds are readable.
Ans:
8.34
